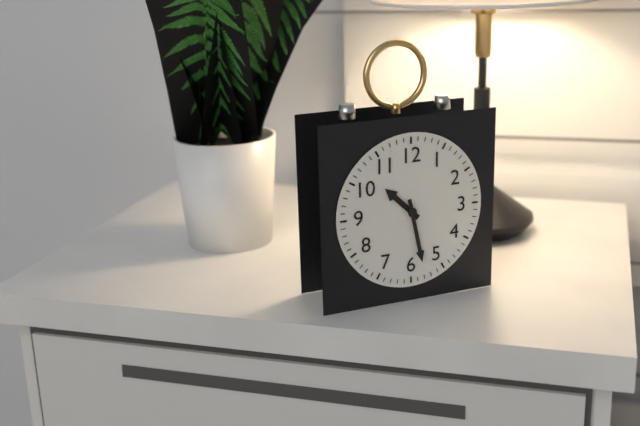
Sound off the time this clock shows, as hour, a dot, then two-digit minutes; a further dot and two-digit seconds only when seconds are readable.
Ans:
10.28
